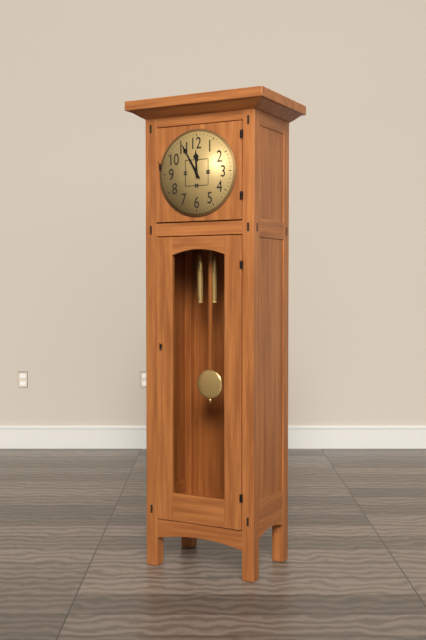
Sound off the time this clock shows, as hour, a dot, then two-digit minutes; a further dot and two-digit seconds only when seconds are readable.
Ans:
11.55
